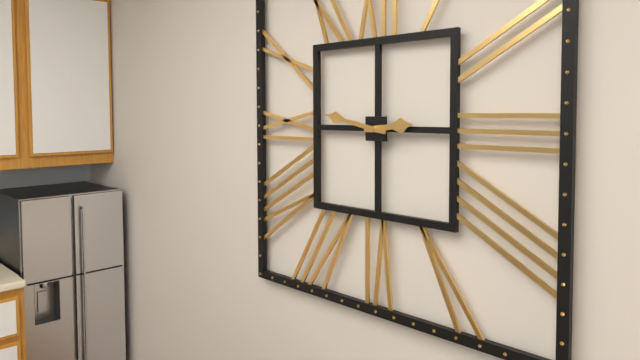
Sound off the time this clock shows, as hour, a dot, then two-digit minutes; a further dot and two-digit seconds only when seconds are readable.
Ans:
2.47
